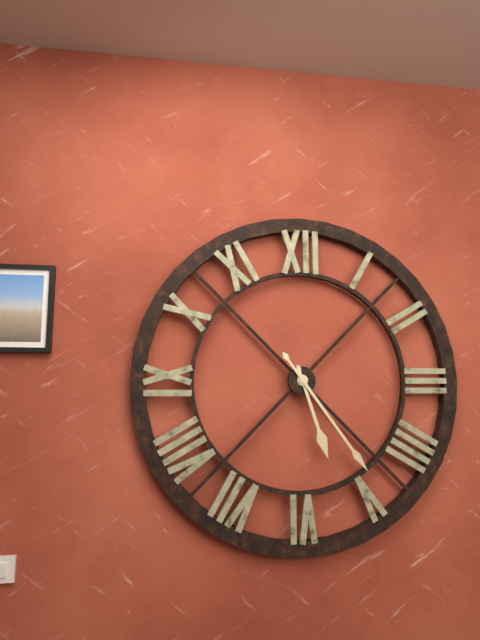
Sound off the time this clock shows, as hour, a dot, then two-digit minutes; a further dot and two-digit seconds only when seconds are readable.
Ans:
5.24
